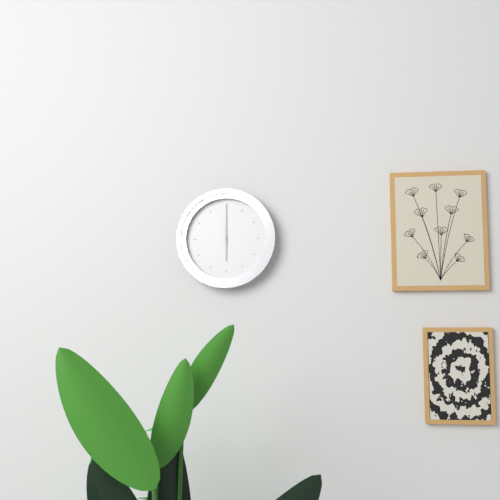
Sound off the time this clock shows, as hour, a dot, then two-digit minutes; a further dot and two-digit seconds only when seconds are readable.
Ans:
6.00
